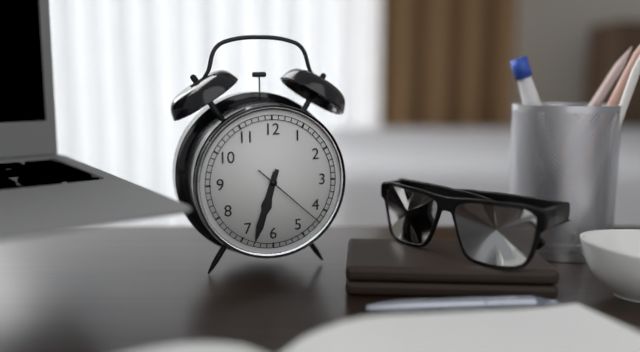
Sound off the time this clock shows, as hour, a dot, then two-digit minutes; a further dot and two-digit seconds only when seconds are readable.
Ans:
6.33.22
